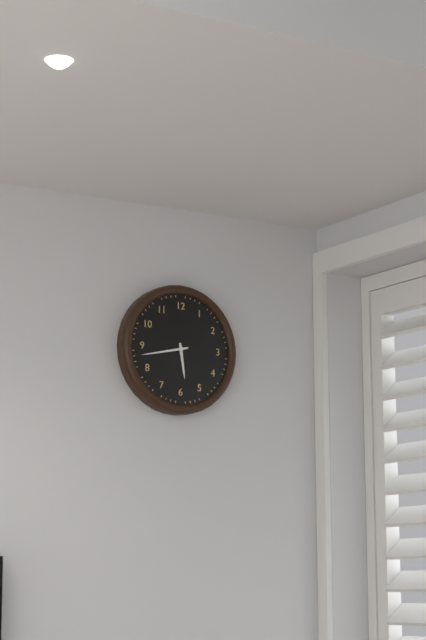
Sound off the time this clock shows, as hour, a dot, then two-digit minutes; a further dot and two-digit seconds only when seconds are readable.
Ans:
5.43
